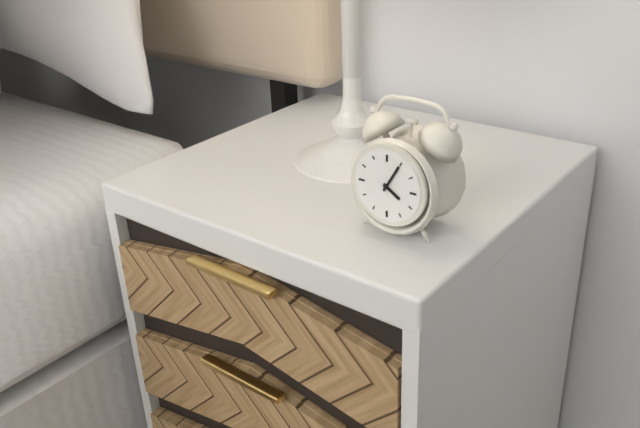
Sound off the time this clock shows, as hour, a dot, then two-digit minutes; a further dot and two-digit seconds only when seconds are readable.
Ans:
4.05
